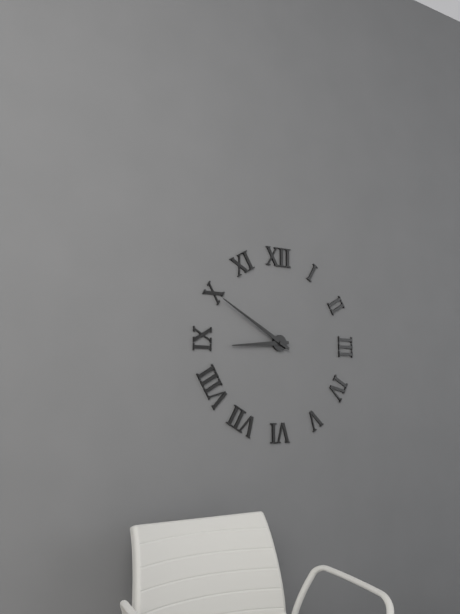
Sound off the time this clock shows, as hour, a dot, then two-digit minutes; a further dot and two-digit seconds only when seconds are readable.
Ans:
8.50
